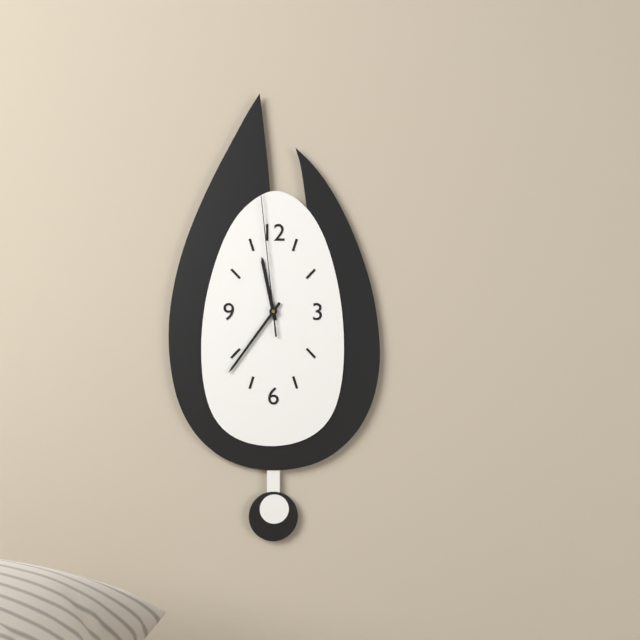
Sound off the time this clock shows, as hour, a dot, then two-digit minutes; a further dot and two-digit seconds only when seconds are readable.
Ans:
11.36.59
